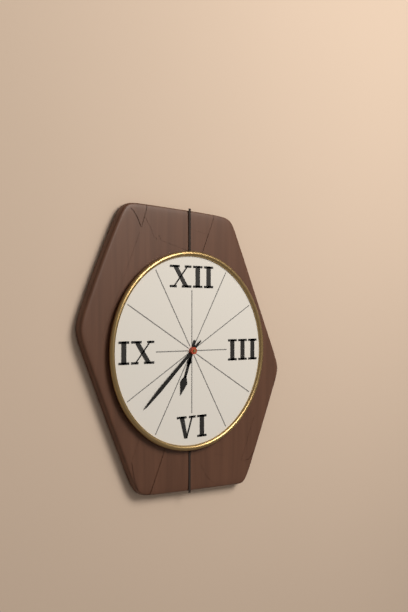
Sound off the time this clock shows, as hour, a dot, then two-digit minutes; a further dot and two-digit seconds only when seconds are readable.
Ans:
6.38
